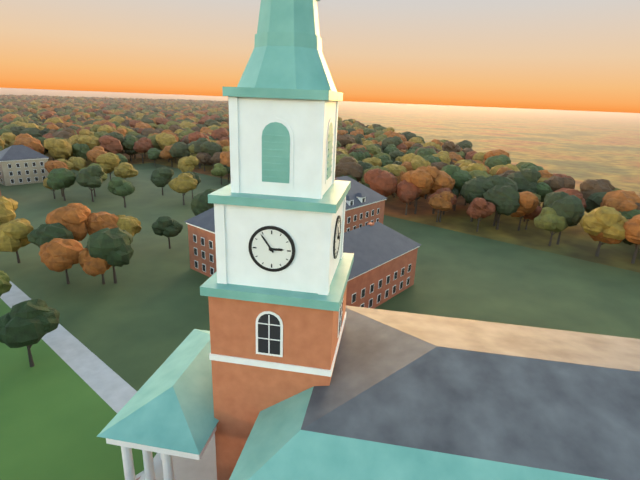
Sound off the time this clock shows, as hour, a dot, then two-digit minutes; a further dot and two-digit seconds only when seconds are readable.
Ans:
2.54
